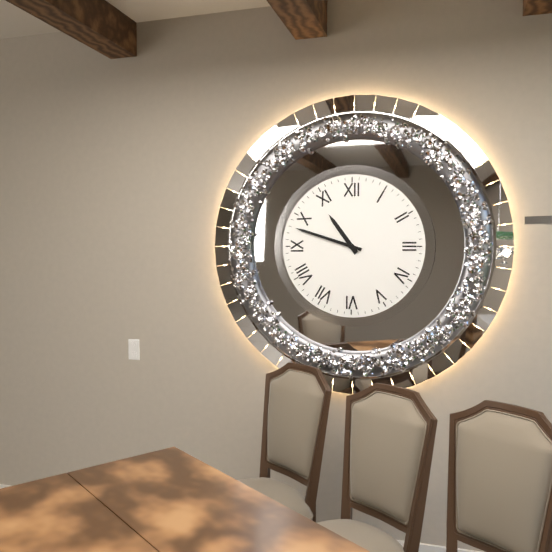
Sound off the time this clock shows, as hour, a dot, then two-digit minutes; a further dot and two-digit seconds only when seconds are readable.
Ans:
10.48
